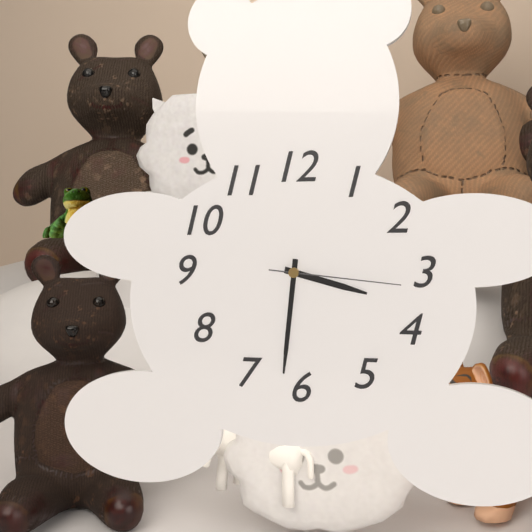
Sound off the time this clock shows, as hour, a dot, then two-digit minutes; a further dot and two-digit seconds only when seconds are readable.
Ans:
3.31.16
